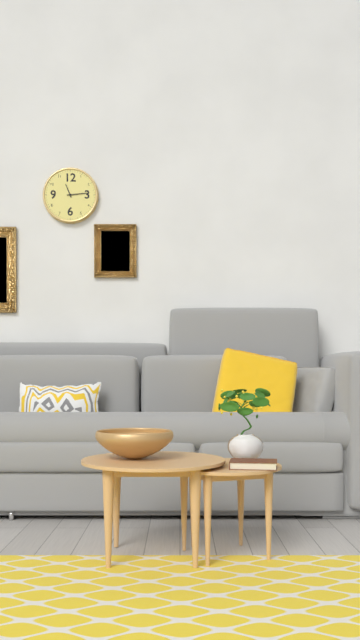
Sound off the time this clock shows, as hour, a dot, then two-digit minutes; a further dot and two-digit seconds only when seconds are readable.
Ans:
11.14
